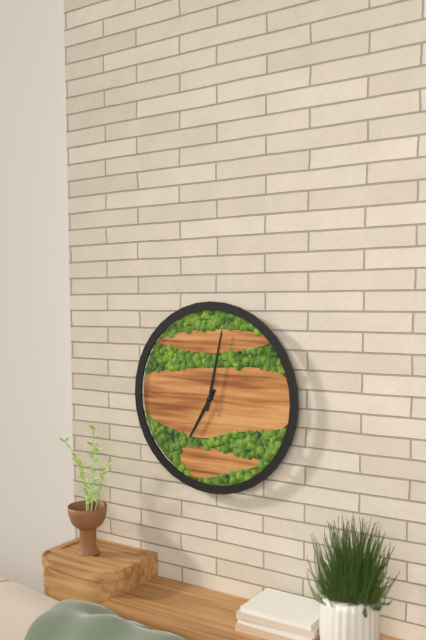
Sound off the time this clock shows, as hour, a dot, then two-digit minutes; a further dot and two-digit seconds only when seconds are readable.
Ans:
7.02
